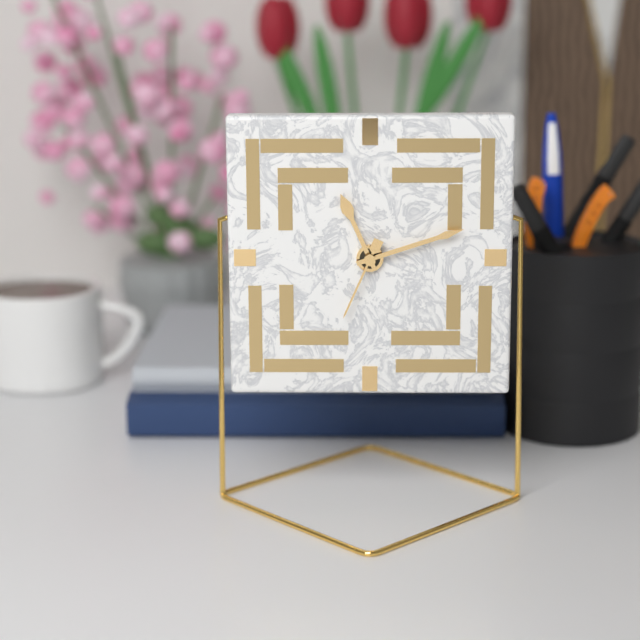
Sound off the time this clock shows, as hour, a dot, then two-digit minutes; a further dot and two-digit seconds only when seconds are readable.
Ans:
11.12.34
